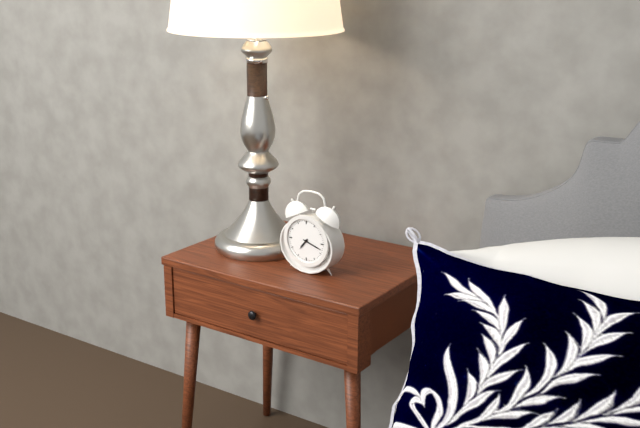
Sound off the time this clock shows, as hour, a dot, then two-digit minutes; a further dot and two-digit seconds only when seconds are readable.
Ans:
7.18
